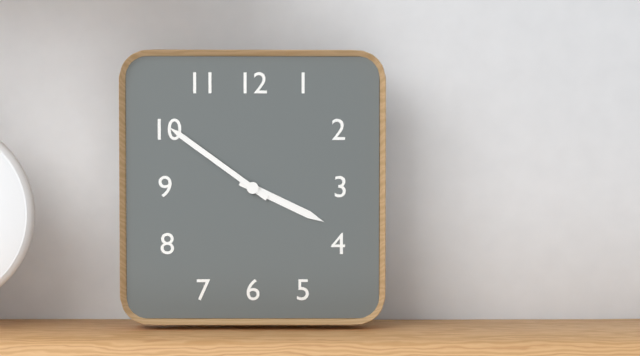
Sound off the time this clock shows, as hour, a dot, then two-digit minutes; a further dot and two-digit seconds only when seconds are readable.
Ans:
3.51
